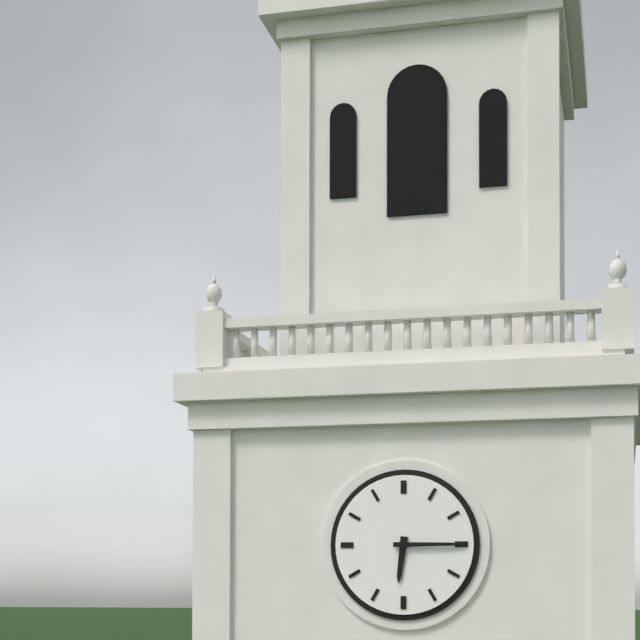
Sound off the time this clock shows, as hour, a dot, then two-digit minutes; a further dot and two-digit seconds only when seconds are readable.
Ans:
6.15
